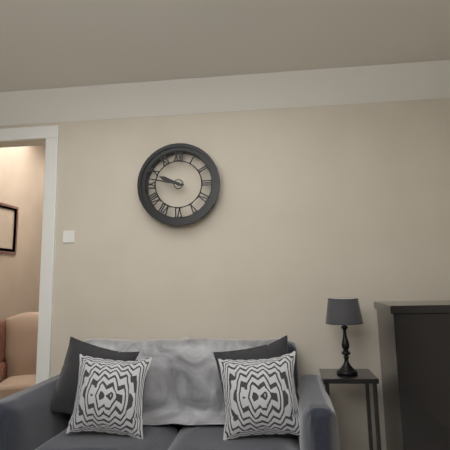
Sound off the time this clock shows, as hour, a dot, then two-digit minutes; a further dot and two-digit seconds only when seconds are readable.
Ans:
9.47
